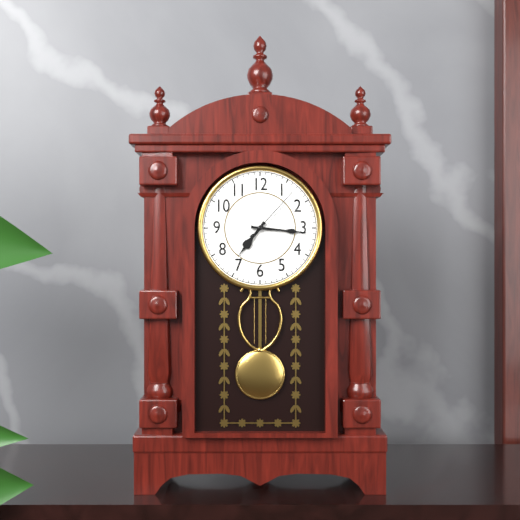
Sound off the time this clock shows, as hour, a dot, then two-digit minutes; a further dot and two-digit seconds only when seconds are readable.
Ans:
7.16.07
